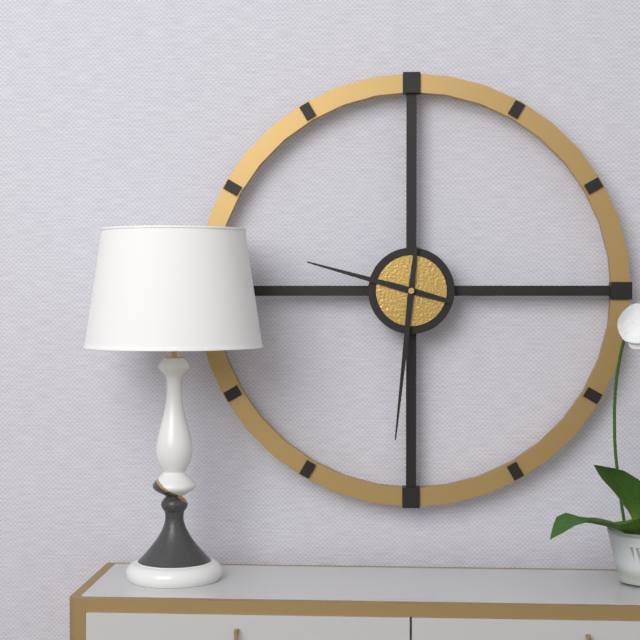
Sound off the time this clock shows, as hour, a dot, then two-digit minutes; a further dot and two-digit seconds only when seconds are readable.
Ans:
9.31
